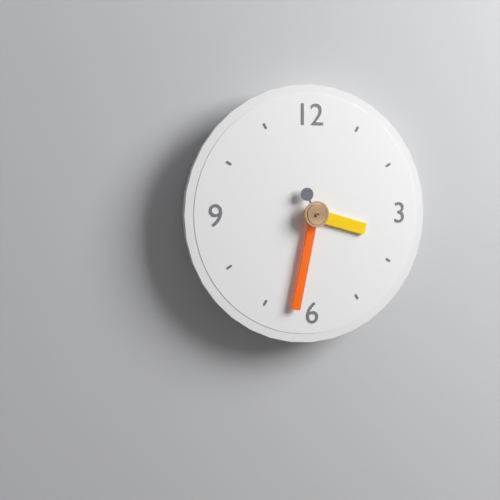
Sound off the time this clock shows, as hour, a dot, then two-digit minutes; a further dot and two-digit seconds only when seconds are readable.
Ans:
3.32
